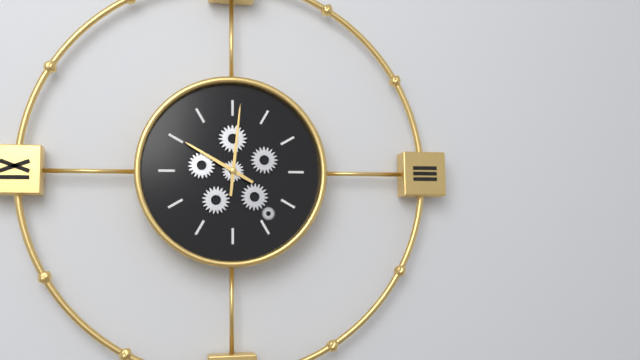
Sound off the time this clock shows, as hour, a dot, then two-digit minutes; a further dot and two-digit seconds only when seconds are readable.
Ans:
10.01
